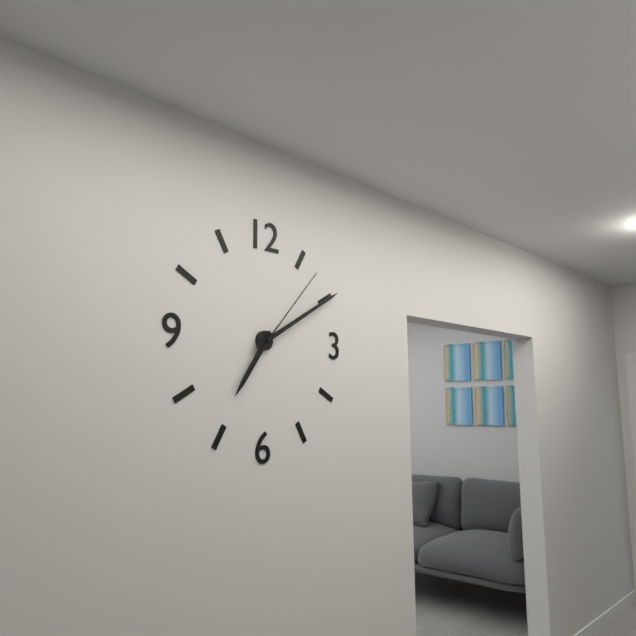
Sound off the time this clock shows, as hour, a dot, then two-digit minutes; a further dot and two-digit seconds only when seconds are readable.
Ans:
7.10.07
